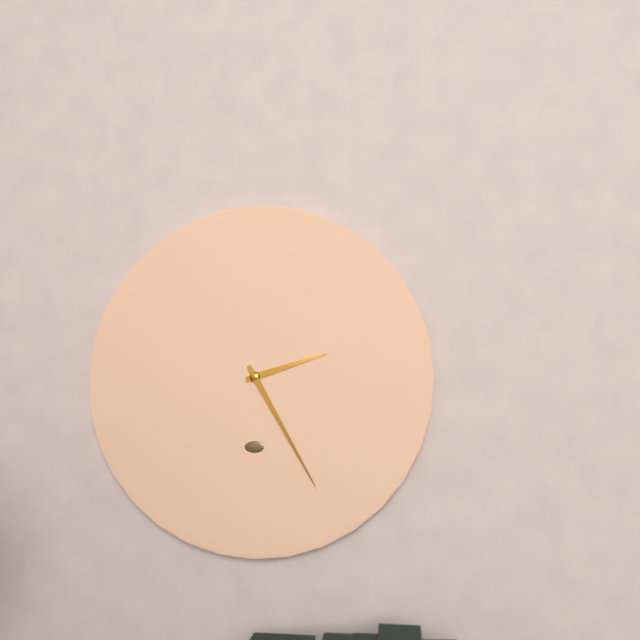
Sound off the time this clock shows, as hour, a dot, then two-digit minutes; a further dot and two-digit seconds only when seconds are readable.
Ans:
2.25
